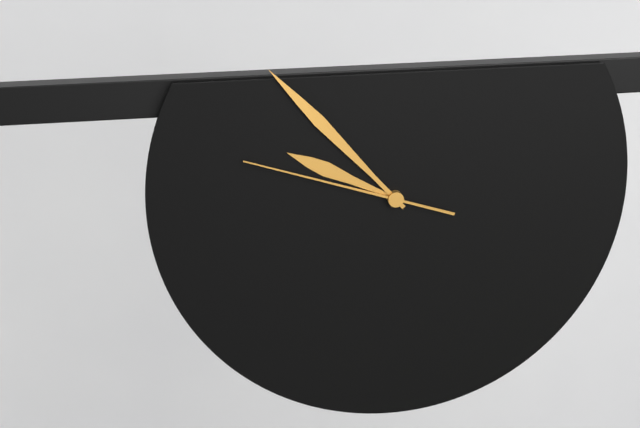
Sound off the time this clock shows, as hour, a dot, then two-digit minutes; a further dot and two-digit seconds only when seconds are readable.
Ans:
9.53.48
